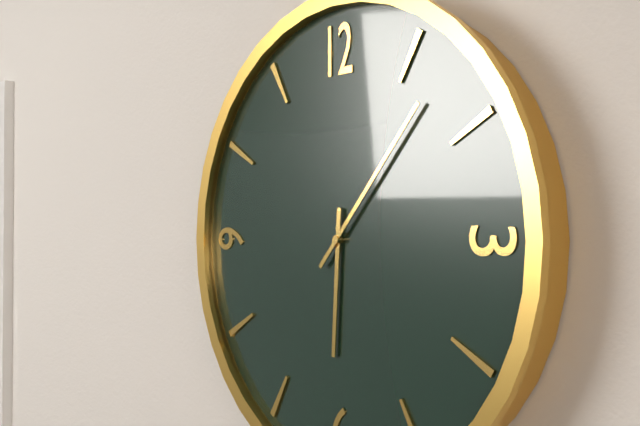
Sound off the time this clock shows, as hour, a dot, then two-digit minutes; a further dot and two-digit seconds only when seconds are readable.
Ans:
6.07
